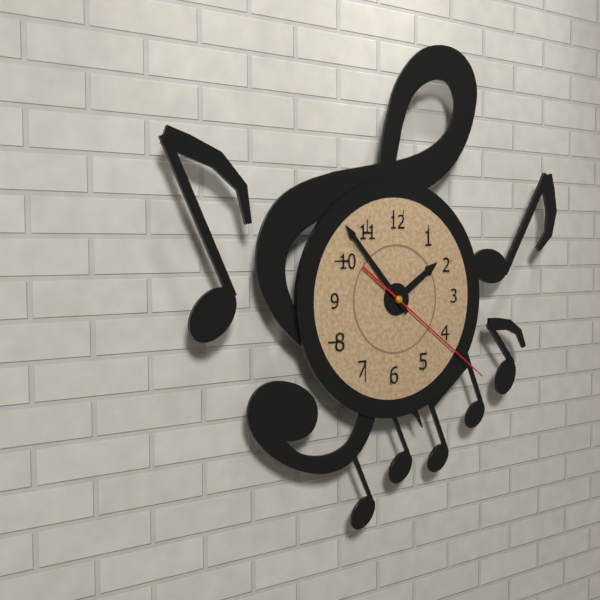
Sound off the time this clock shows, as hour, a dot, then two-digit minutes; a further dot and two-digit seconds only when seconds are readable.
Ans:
1.53.21
